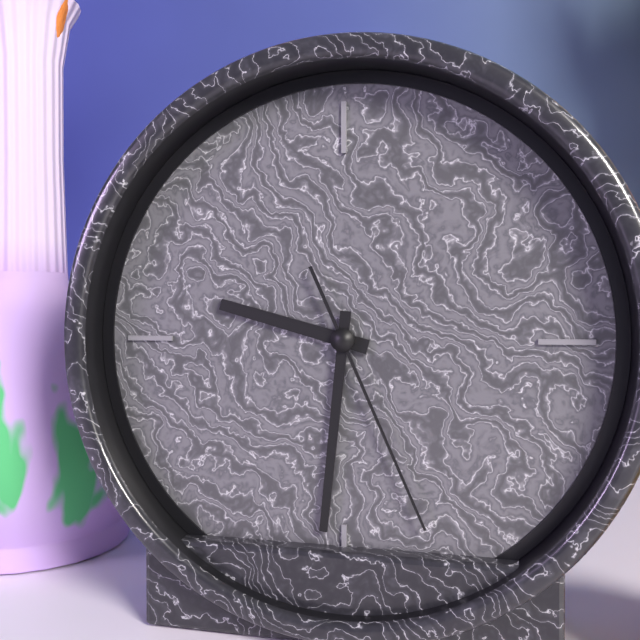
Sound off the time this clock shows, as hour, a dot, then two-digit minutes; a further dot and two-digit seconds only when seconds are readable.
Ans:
9.31.26
